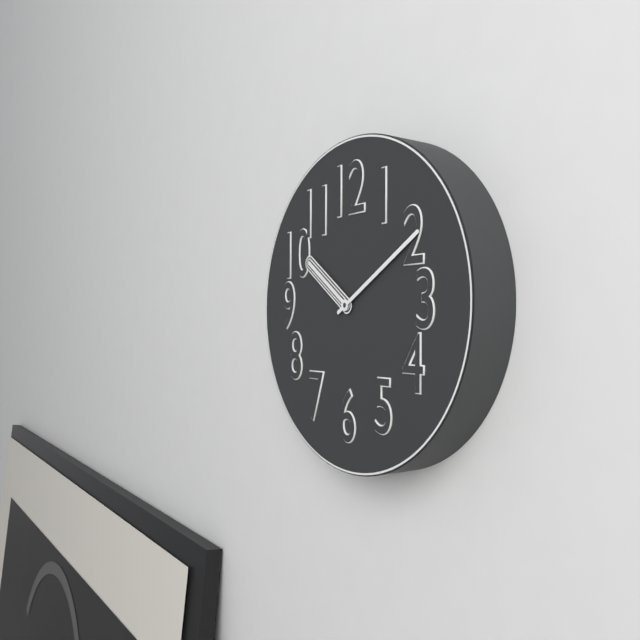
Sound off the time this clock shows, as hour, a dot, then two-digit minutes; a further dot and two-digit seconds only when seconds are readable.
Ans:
10.10
